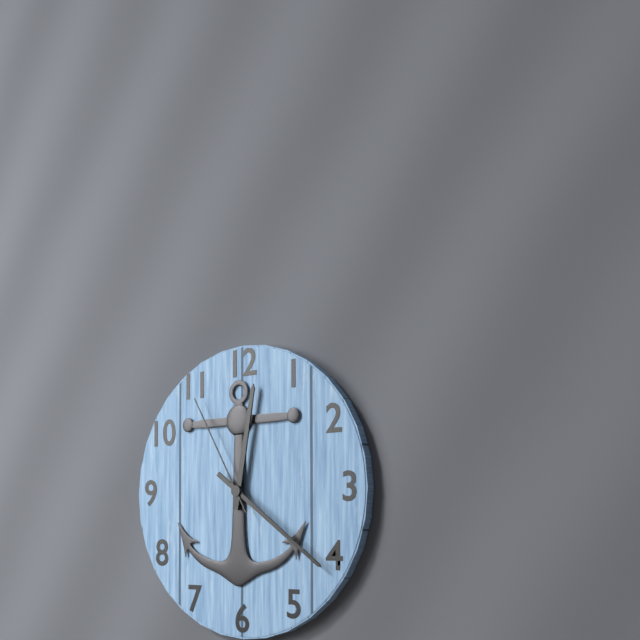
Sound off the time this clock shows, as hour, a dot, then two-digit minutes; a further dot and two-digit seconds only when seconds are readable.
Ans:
12.21.55
